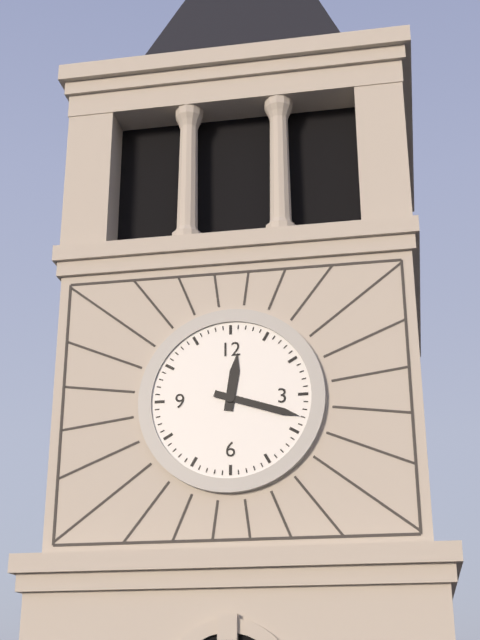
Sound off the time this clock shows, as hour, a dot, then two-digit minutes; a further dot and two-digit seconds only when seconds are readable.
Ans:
12.18
